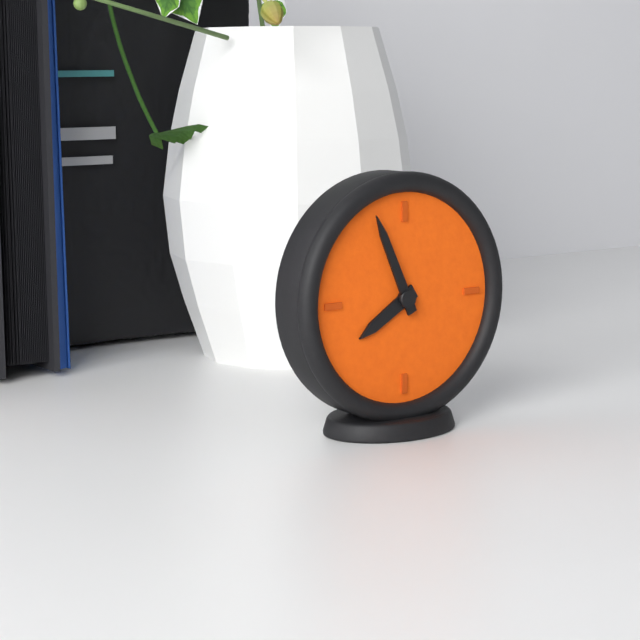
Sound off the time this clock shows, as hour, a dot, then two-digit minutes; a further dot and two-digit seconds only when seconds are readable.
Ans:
7.56
